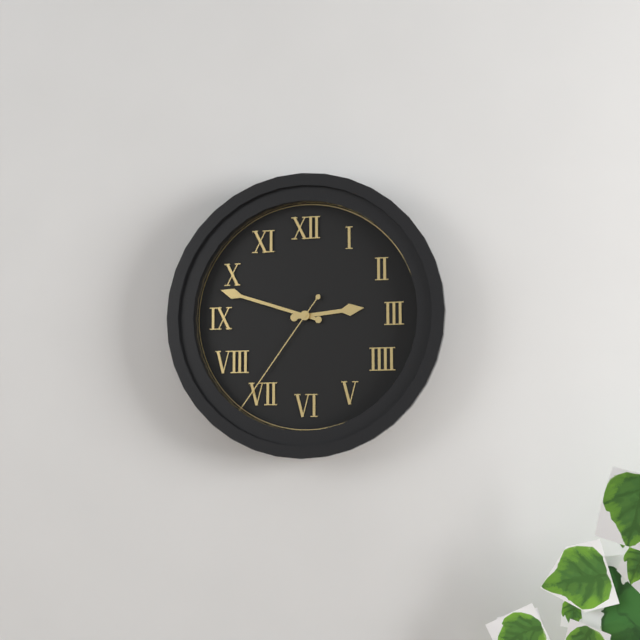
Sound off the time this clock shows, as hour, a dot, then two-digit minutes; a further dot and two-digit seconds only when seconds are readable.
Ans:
2.48.36
